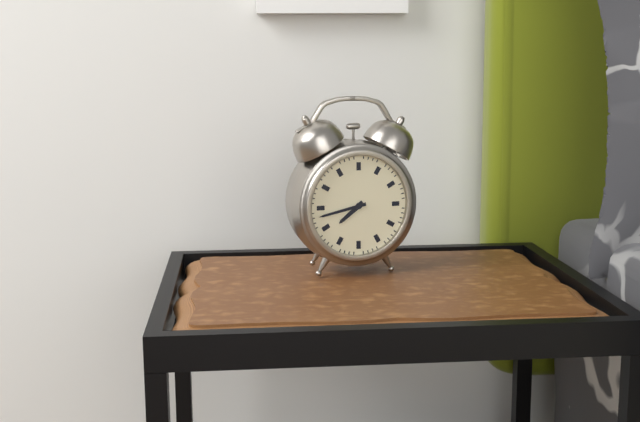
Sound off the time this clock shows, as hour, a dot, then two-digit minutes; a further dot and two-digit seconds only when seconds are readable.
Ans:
7.43
